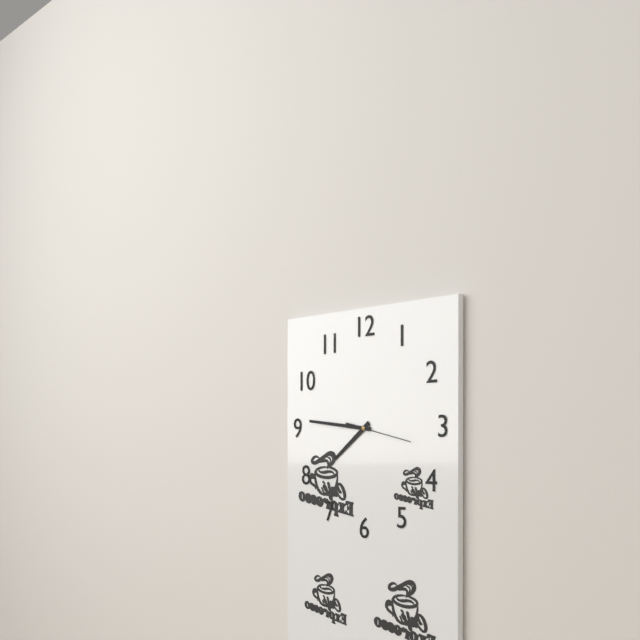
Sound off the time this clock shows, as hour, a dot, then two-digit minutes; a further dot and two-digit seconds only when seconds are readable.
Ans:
7.46.17
